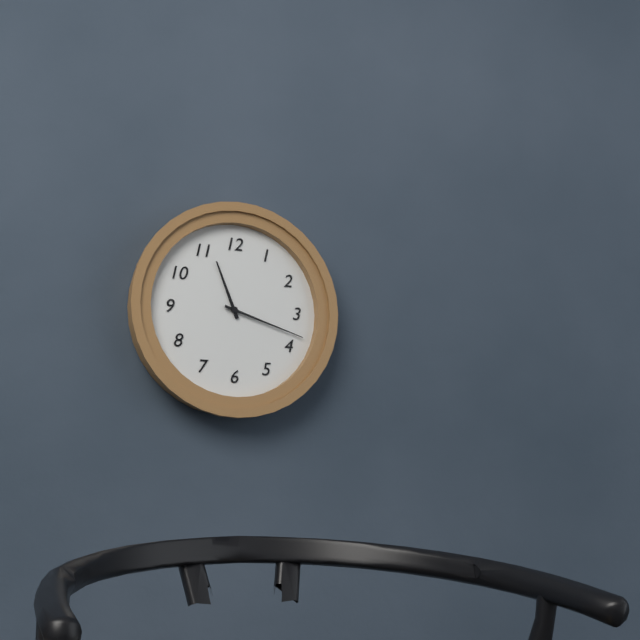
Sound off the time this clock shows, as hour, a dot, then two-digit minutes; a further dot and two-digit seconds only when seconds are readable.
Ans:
11.18
